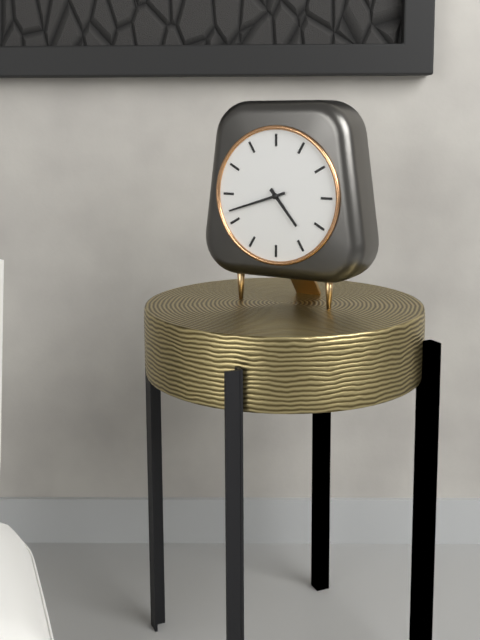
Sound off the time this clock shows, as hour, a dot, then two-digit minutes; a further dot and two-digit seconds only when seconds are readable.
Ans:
4.42
